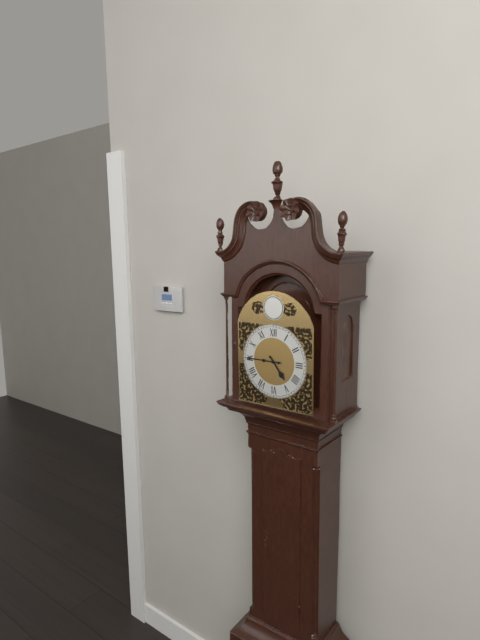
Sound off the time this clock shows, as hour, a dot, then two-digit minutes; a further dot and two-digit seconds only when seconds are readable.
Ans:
4.45
